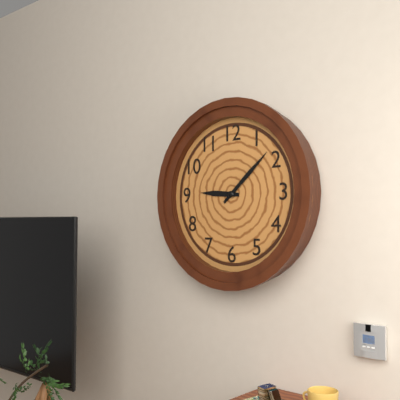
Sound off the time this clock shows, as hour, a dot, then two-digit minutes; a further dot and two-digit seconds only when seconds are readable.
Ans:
9.08
